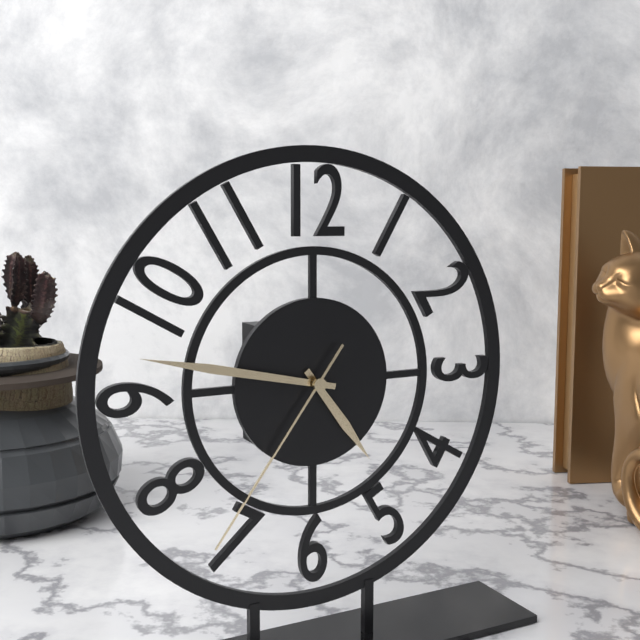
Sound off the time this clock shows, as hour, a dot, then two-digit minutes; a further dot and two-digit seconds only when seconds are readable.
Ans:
4.47.36
